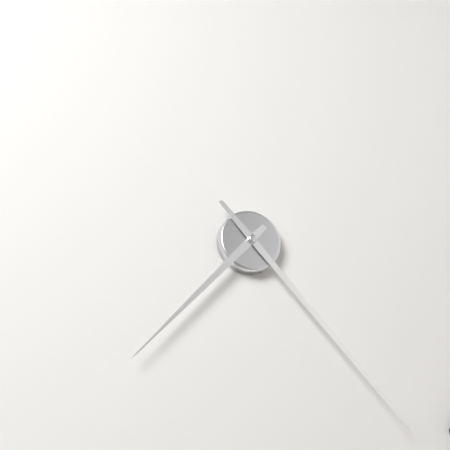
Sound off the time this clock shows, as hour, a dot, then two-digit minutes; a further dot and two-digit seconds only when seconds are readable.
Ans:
7.23
